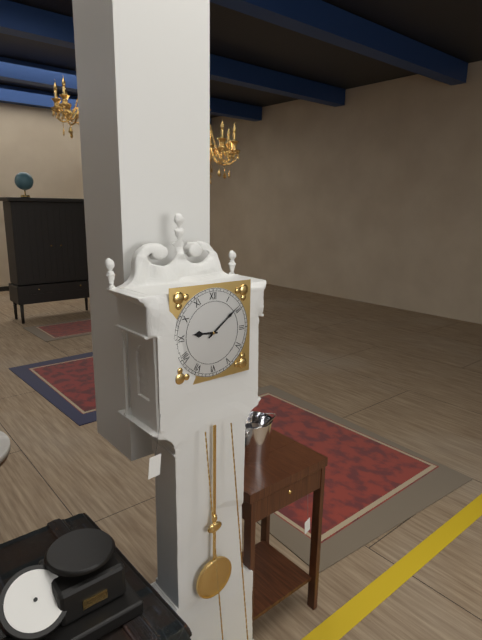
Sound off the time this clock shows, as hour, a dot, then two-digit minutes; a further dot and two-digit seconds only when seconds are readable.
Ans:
9.09
